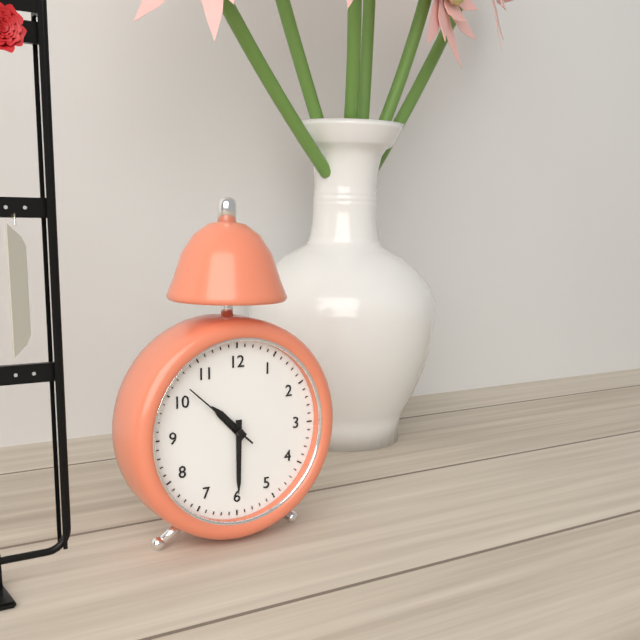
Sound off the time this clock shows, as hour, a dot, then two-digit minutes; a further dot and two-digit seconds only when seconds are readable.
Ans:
10.30.52
